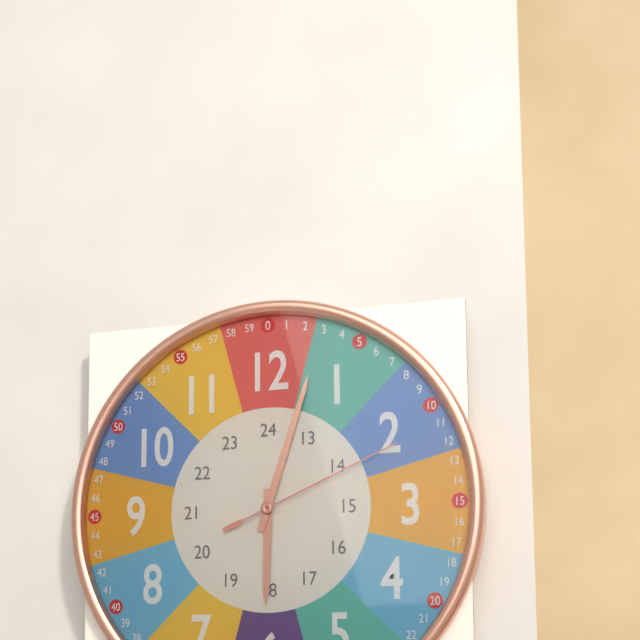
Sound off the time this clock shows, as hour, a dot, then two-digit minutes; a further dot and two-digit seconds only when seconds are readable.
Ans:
6.03.11
